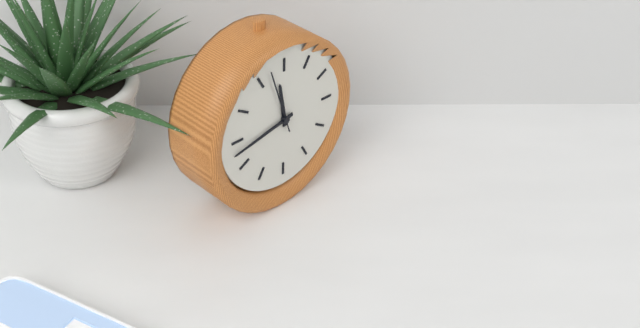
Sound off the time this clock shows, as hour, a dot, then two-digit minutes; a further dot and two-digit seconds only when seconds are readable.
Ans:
11.43
